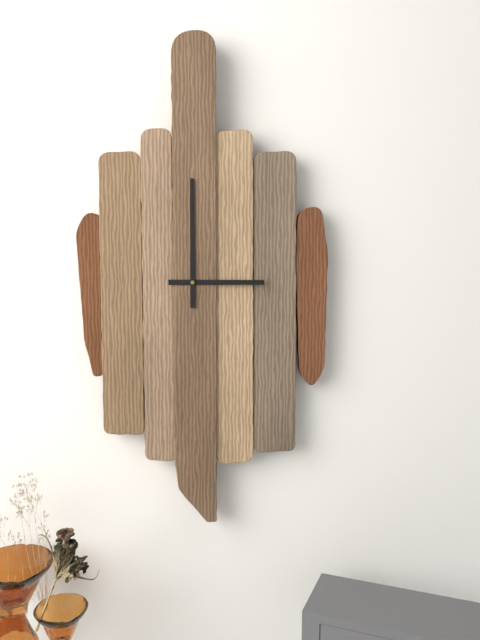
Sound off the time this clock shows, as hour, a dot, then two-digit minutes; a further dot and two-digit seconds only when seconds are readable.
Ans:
3.00
